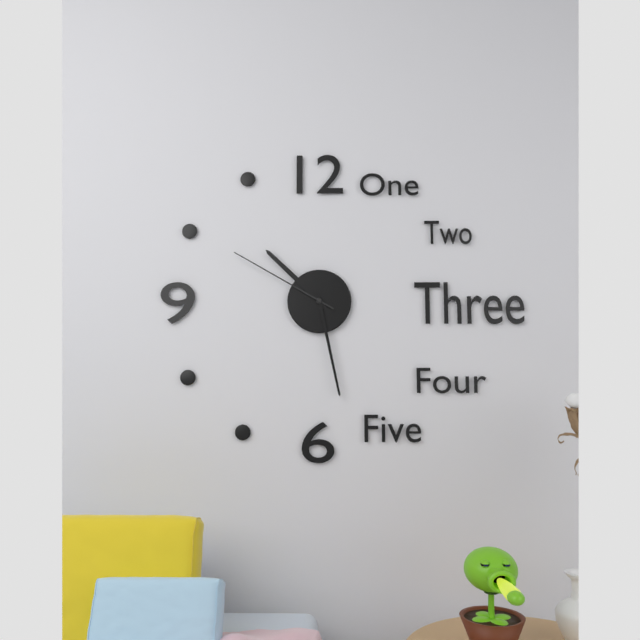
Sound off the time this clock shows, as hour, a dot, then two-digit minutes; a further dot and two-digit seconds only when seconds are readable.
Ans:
10.28.50
